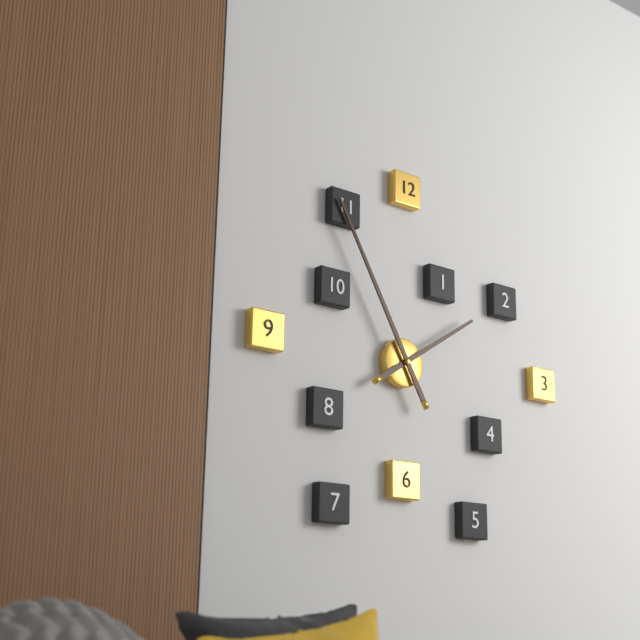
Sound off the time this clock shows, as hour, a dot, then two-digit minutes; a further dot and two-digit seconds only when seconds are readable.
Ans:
1.55
